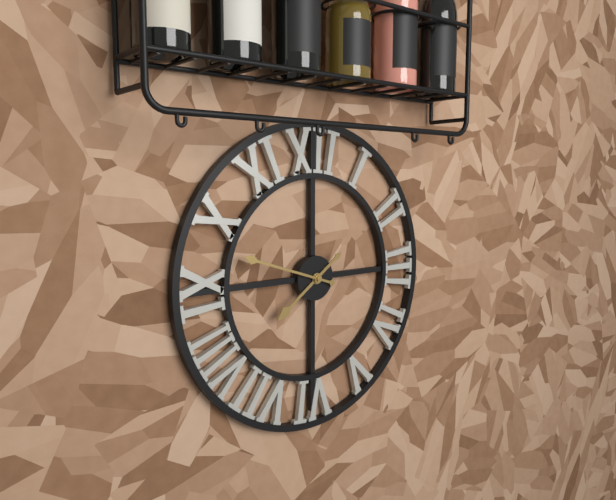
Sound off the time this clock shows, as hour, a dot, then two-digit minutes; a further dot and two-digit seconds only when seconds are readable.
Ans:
7.48
